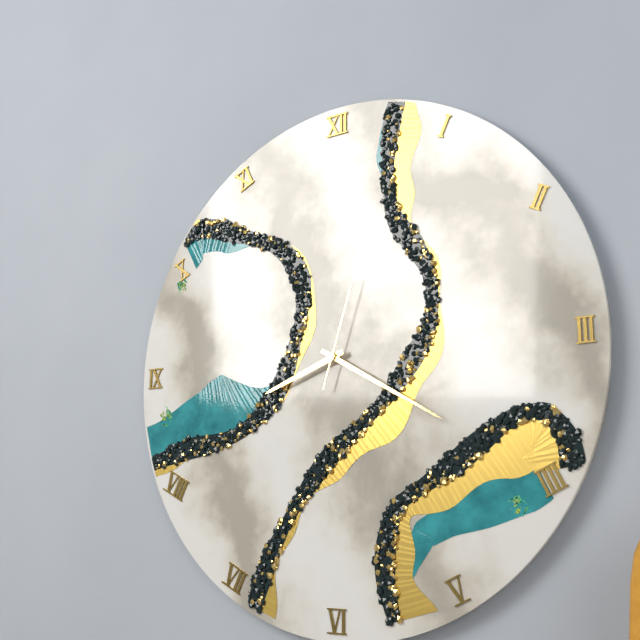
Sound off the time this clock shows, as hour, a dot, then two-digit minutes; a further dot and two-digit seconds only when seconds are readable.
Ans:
8.20.03
